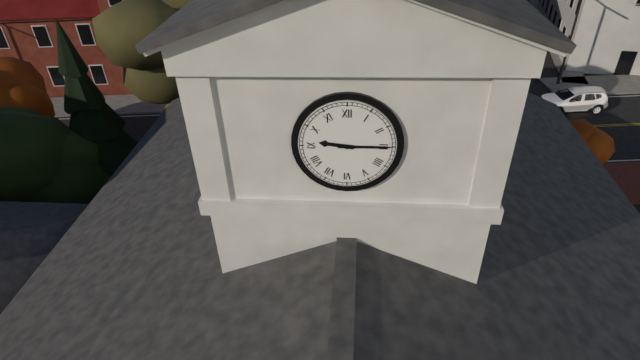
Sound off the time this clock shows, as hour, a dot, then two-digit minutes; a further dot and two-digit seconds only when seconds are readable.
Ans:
9.15
